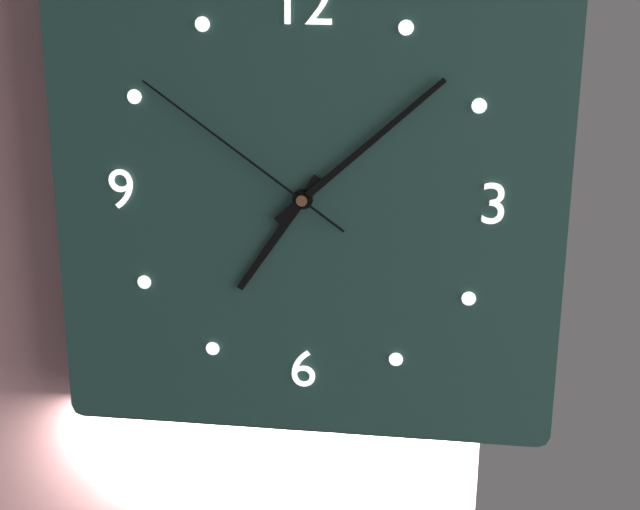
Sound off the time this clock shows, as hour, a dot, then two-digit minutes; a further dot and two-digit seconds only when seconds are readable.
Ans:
7.08.51
